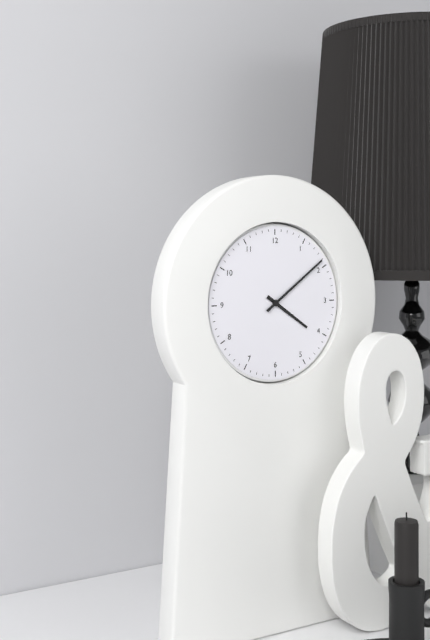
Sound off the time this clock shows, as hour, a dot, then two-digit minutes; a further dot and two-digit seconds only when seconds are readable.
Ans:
4.09
